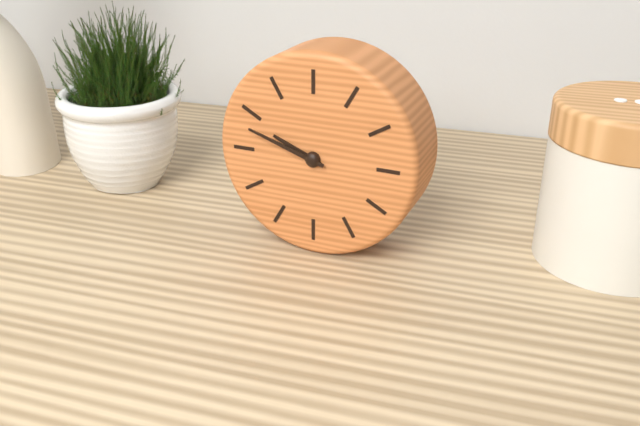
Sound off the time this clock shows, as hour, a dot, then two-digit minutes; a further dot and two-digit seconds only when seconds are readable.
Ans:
9.48
